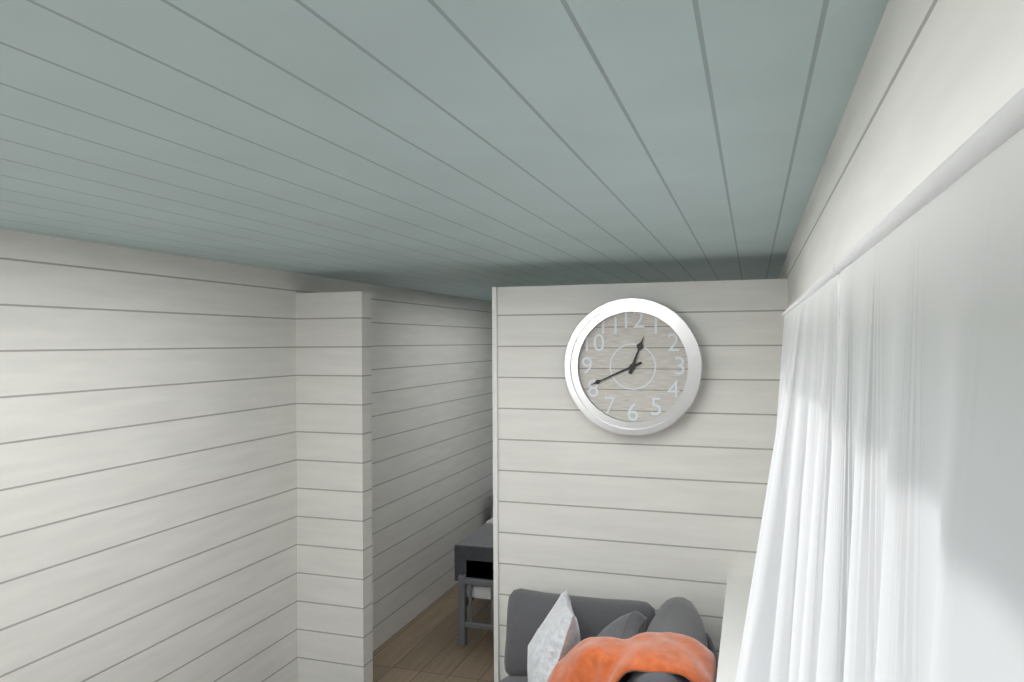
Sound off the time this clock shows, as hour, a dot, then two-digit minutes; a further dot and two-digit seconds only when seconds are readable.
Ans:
12.41
